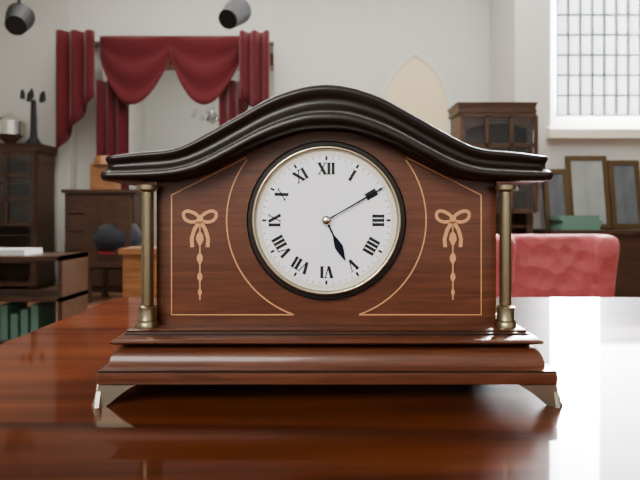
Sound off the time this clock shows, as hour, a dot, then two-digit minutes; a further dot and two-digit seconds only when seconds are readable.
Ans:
5.10
